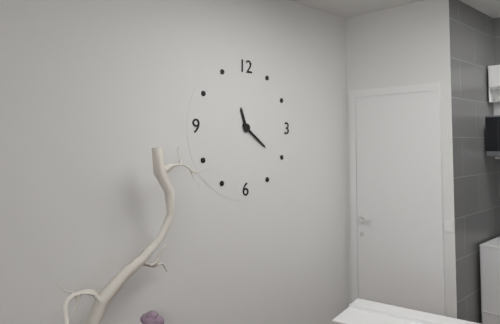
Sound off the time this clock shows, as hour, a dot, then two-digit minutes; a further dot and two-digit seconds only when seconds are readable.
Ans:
11.21
